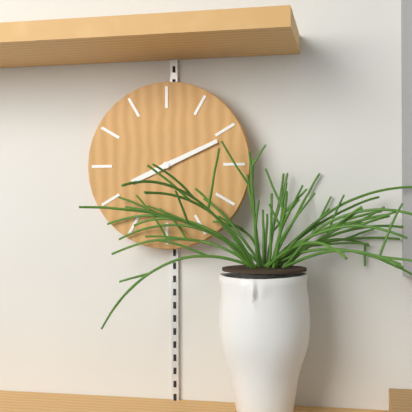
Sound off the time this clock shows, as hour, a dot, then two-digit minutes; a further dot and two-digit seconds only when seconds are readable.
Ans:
8.11
